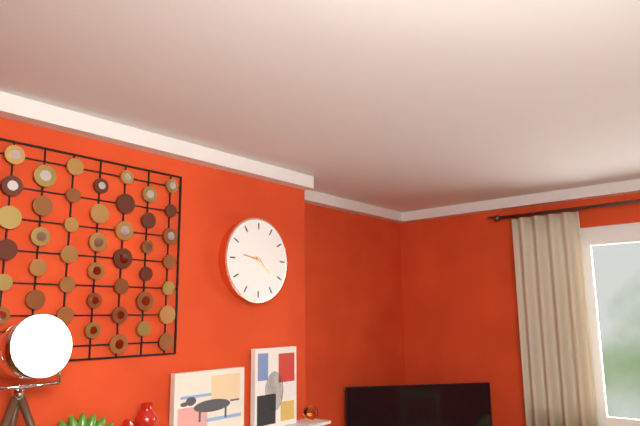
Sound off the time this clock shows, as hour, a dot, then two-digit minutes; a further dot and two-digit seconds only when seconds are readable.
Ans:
9.21
